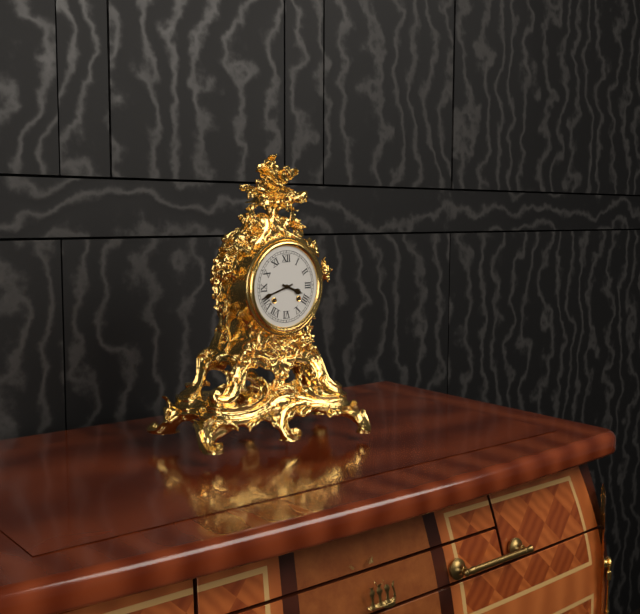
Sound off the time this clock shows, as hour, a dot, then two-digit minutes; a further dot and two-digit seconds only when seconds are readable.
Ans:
3.42
